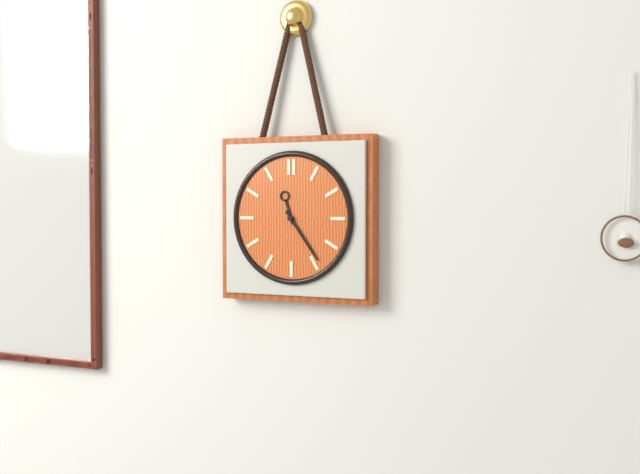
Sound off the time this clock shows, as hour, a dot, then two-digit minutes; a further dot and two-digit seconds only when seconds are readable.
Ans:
11.24
